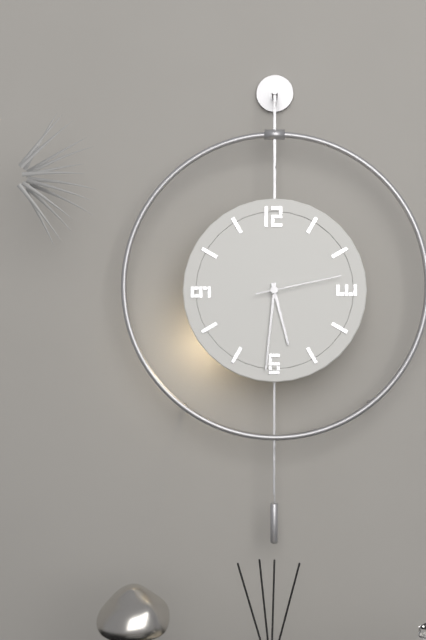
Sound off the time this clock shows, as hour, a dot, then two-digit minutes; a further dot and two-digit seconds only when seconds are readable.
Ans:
5.31.13
